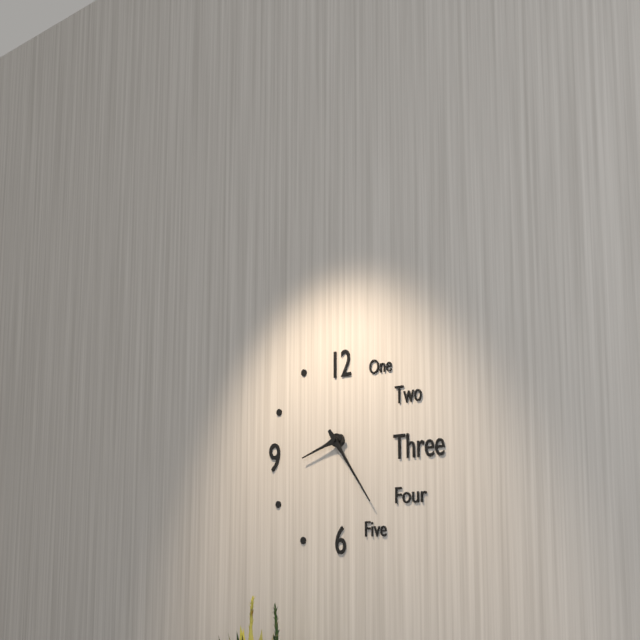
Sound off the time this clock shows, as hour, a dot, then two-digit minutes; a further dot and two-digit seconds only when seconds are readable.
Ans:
8.24
